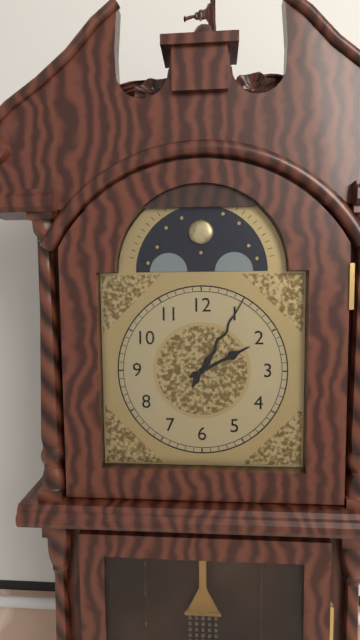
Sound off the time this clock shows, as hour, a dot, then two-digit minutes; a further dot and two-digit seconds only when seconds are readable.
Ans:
2.05
